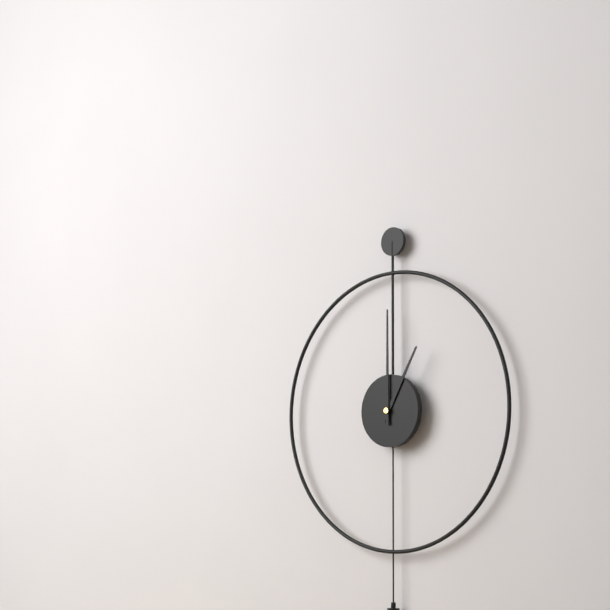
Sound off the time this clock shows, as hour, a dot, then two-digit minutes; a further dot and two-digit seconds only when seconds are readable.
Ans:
1.00
